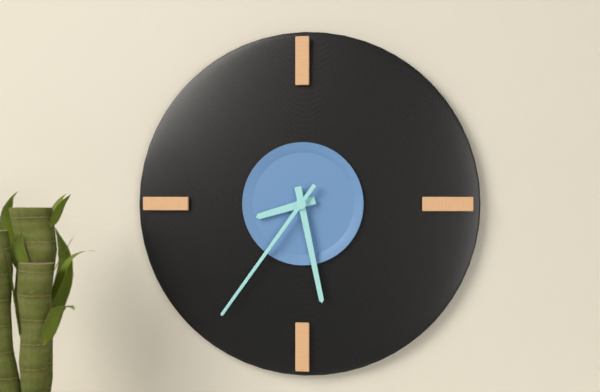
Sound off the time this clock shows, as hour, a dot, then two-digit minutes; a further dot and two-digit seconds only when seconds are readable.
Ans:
8.28.36
